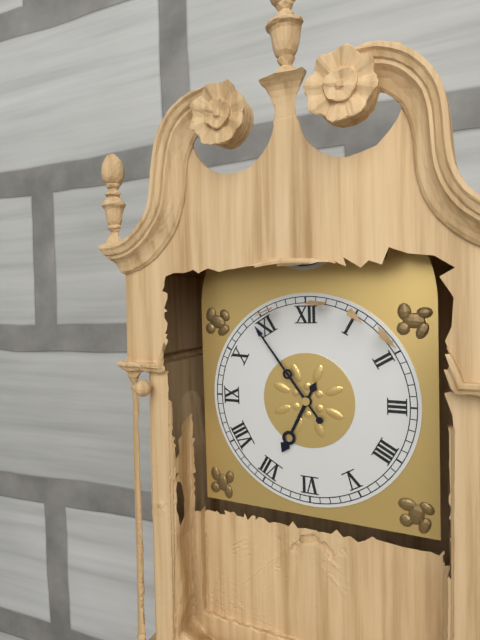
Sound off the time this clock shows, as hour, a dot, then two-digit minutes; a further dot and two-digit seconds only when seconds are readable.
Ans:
6.54
